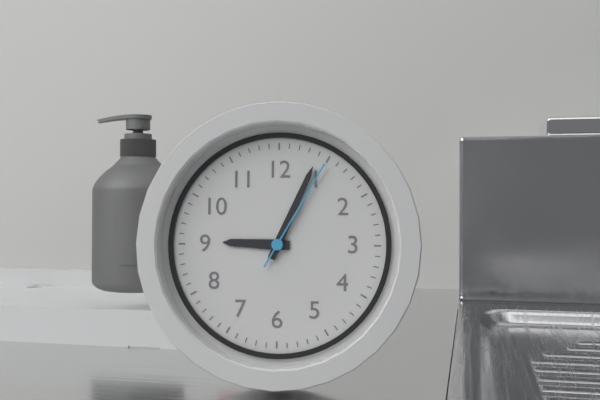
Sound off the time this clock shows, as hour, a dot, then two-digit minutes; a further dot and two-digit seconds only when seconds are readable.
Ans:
9.04.05
